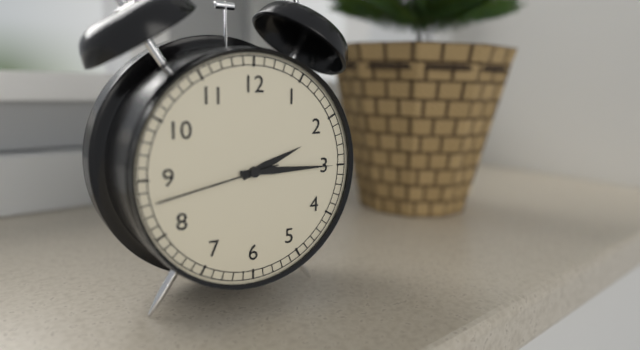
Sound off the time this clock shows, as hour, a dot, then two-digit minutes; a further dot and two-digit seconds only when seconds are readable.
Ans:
2.15.43
